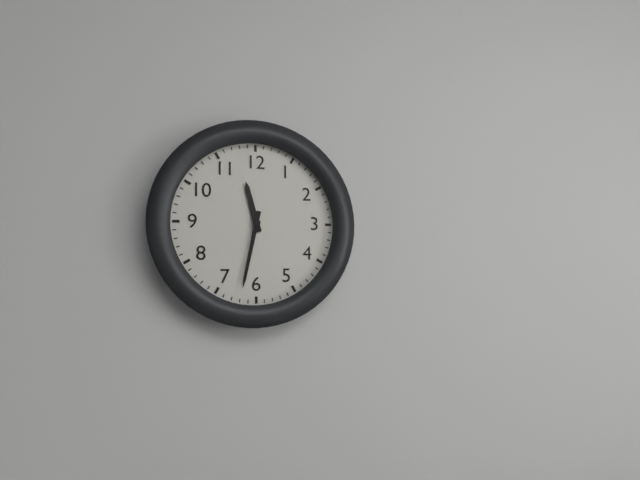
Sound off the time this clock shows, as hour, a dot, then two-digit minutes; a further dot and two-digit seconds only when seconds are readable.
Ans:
11.32
